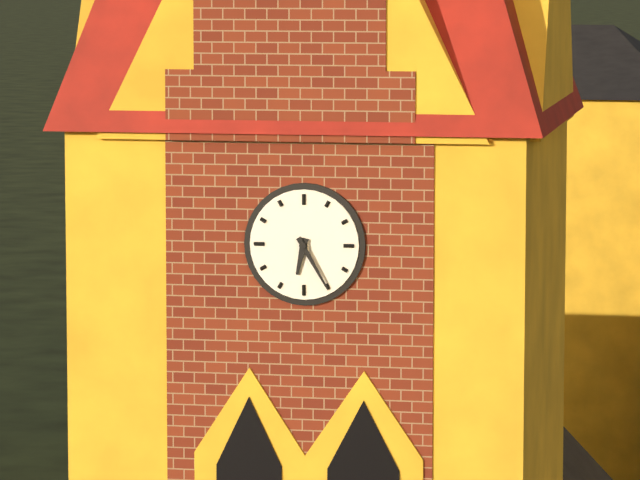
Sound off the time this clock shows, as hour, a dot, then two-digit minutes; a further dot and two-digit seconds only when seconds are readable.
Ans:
6.25
